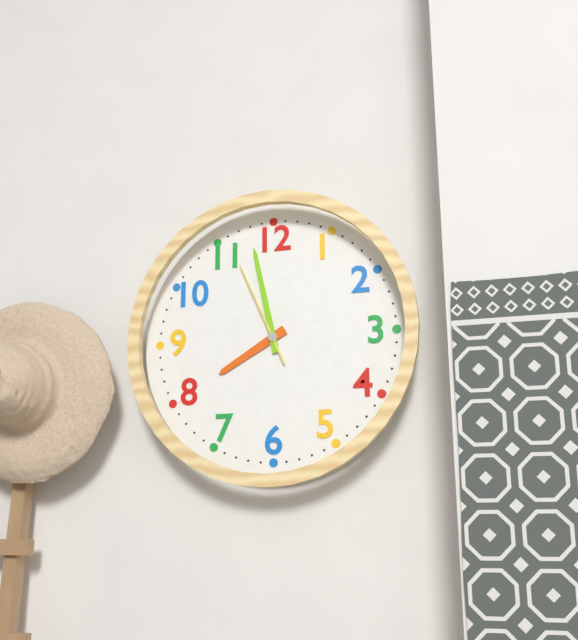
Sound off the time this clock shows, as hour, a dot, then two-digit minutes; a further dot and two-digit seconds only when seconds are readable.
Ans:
7.58.56
